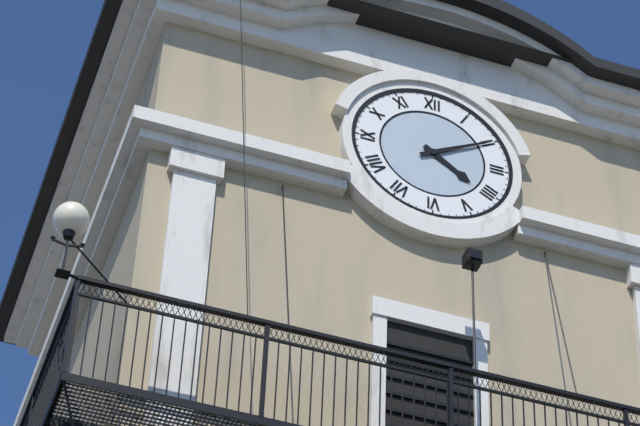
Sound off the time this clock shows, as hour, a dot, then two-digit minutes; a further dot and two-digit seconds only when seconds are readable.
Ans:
4.10
